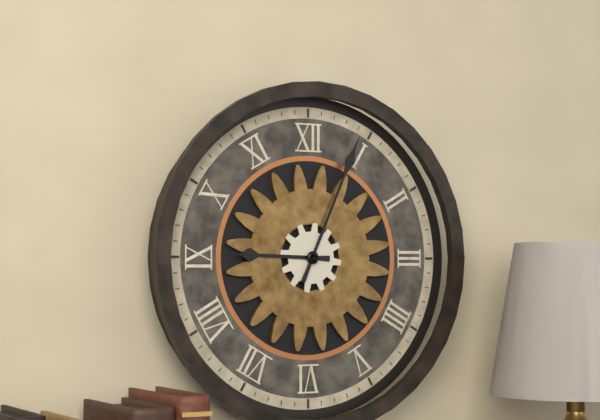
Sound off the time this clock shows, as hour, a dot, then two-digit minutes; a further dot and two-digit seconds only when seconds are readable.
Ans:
9.04
